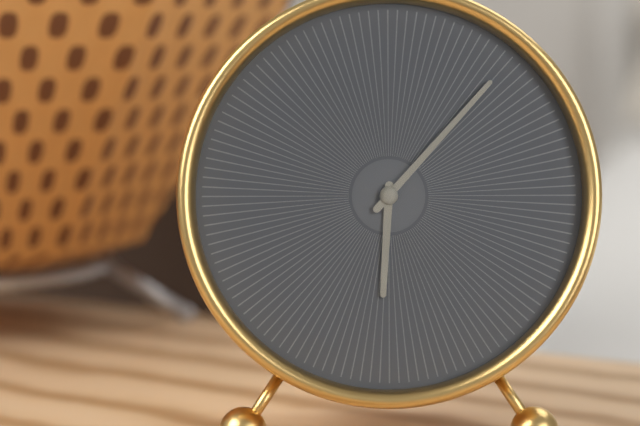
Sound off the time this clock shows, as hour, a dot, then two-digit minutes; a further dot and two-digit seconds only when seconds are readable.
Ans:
6.07
